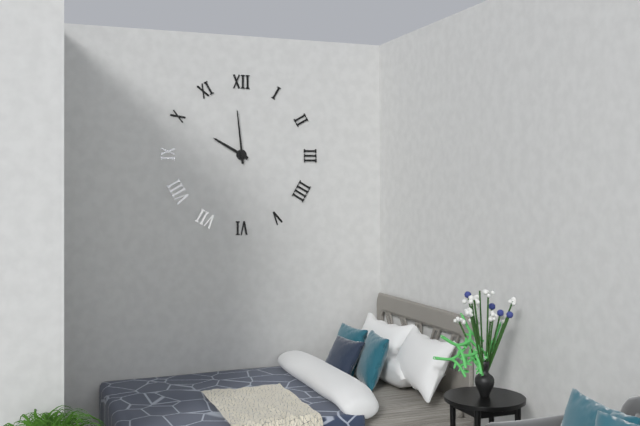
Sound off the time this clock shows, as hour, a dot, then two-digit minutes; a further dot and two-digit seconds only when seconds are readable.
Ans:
9.59
